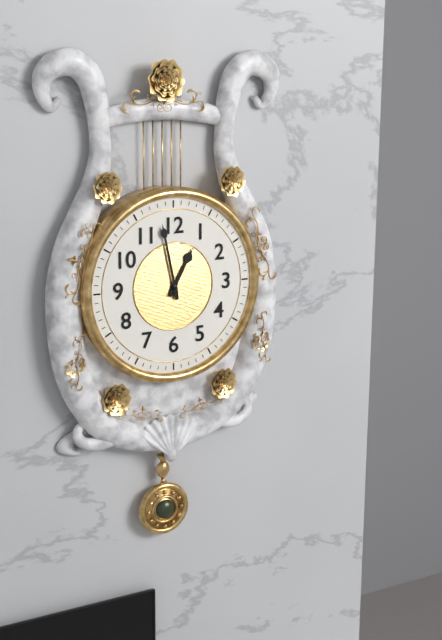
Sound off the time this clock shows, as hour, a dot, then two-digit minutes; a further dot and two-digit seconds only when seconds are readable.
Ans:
12.58
